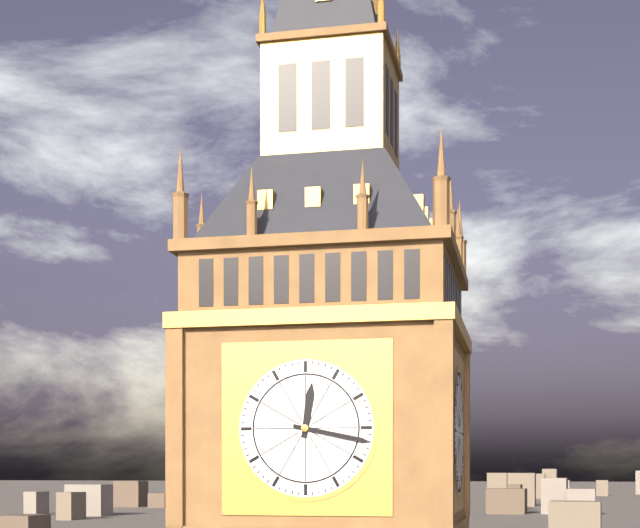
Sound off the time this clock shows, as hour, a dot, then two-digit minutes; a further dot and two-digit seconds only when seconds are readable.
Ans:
12.17
